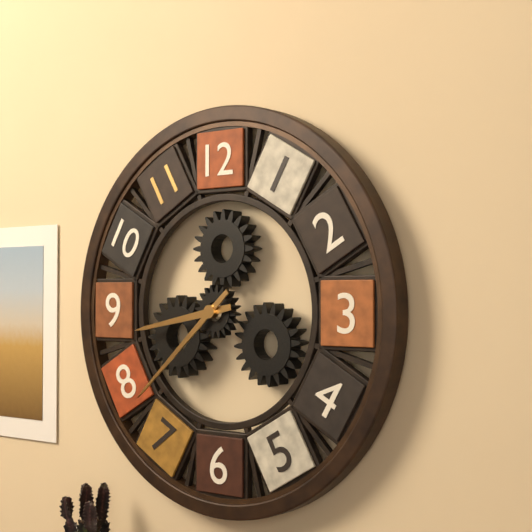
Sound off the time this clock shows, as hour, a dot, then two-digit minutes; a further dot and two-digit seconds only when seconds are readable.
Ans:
8.38
